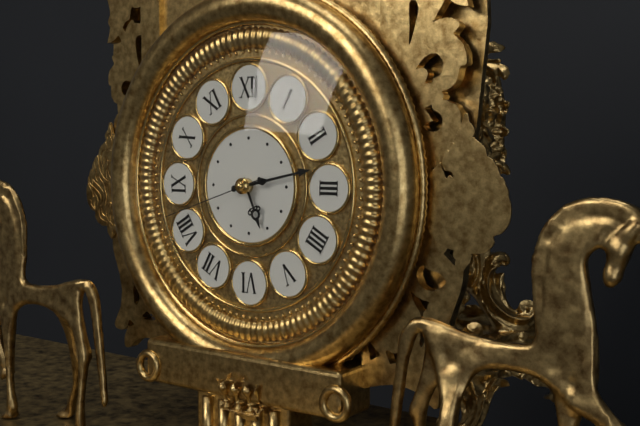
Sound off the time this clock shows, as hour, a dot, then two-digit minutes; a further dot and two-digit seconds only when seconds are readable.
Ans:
5.13.42
